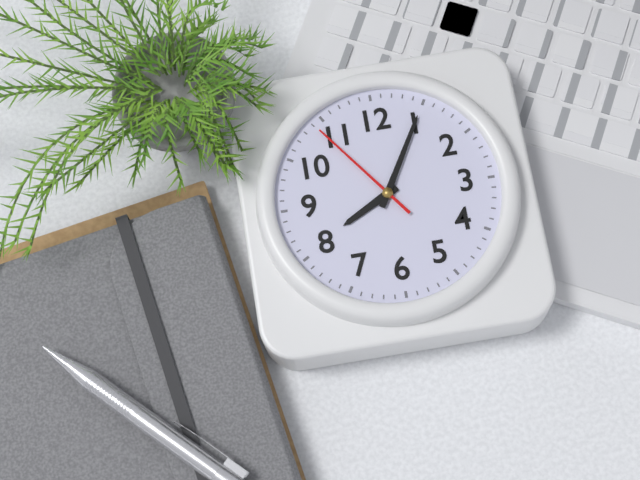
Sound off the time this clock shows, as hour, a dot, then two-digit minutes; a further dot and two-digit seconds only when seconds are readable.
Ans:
8.05.54
